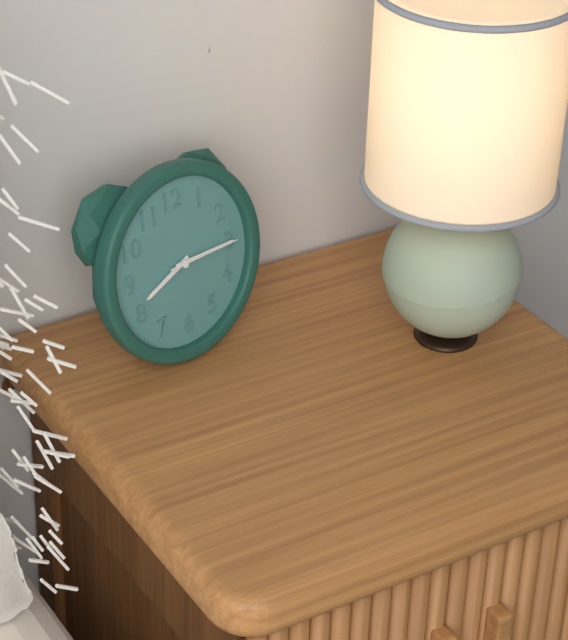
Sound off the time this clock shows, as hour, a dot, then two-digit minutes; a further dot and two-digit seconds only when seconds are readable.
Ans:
8.15.15
